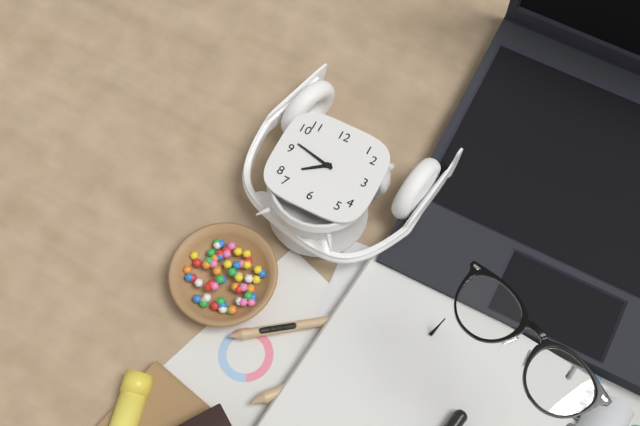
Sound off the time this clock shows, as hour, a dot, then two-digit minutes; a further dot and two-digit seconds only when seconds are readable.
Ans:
7.47
